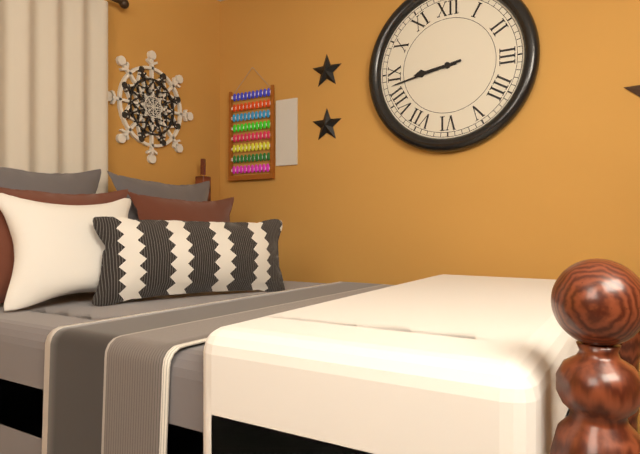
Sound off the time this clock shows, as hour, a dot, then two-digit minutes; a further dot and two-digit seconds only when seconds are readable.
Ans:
8.43
